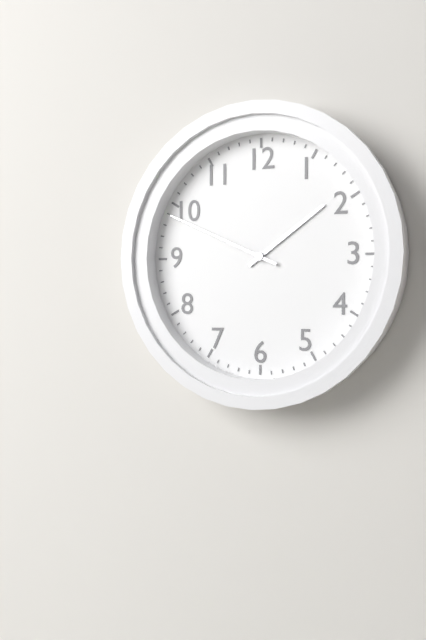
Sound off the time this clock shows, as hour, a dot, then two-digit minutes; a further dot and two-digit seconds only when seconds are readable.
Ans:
1.49
